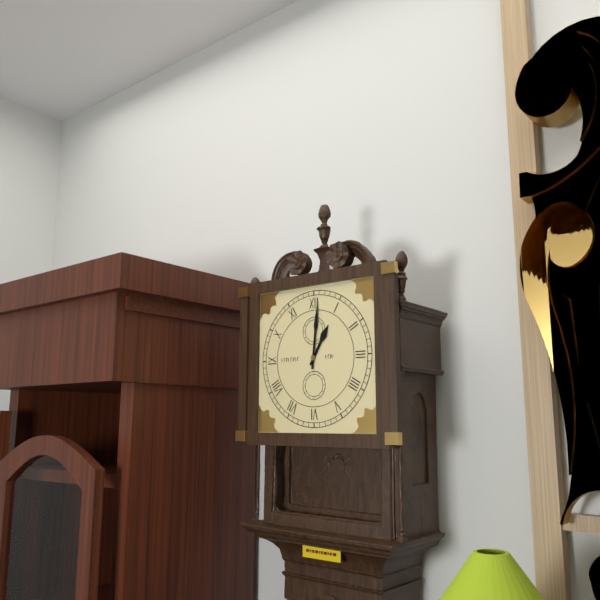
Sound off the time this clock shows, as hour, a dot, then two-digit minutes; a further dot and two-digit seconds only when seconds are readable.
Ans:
1.01
